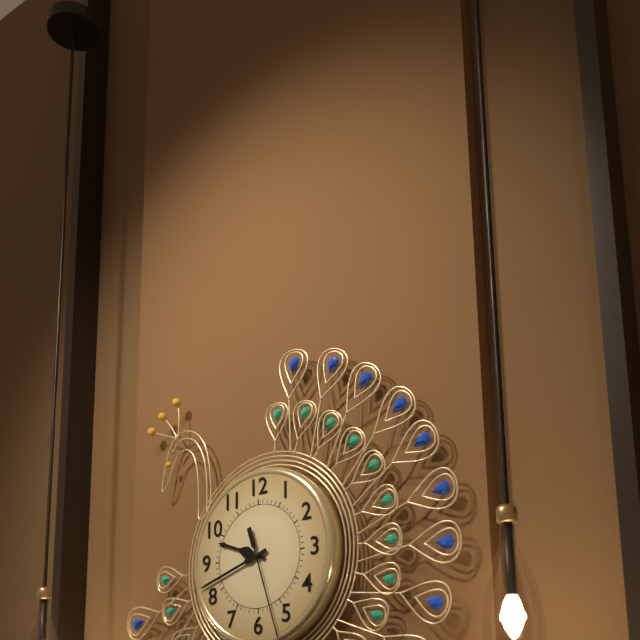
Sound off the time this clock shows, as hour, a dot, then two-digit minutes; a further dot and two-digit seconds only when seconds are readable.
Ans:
9.42.27
